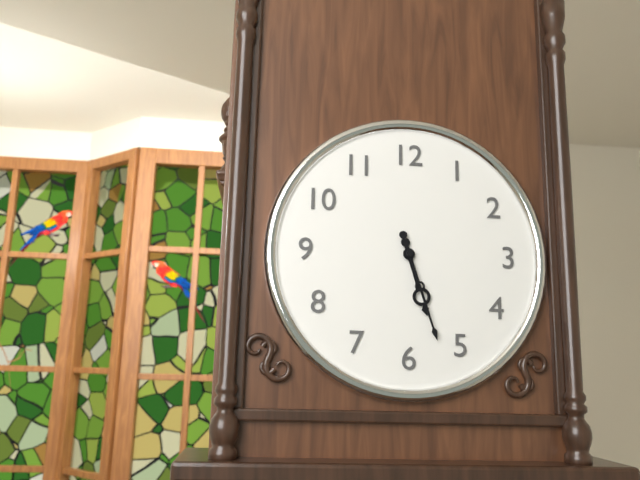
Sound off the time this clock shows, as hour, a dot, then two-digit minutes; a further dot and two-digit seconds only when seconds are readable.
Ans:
5.27
